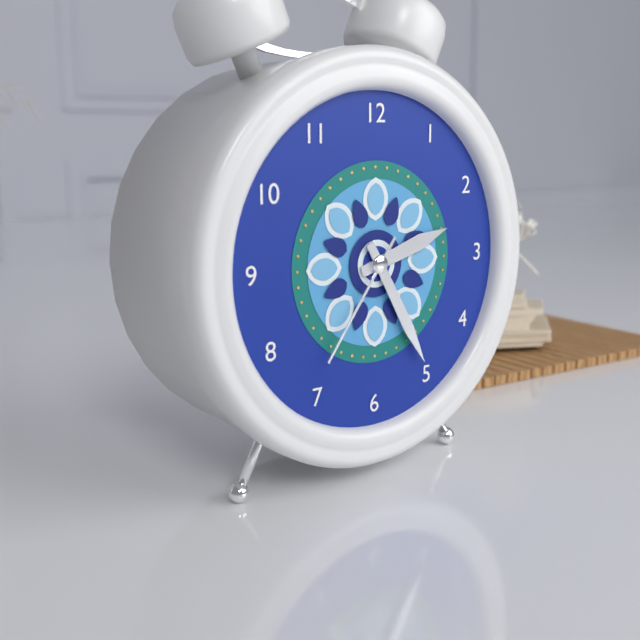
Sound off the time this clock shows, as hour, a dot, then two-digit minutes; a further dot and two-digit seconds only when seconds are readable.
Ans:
2.25.36
